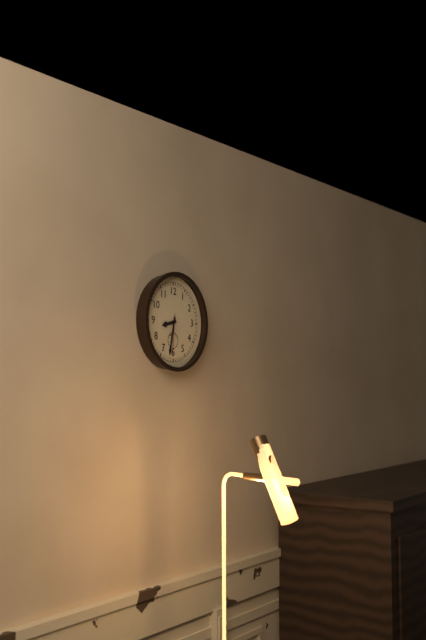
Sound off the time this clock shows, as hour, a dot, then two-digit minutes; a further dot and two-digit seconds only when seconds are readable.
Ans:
8.32
